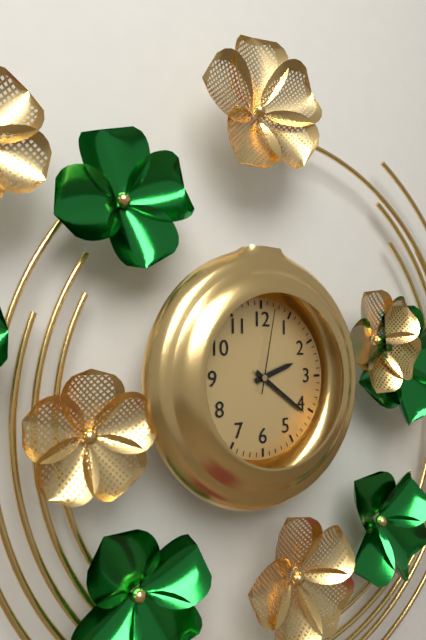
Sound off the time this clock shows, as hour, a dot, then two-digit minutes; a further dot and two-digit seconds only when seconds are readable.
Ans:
2.21.02
